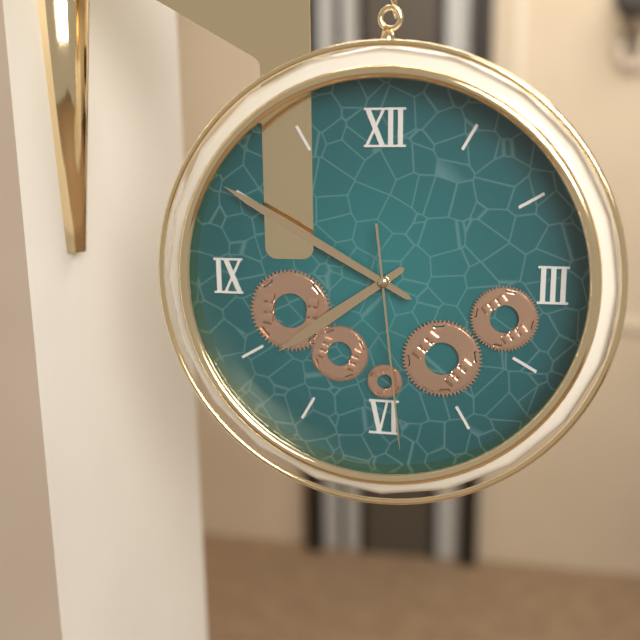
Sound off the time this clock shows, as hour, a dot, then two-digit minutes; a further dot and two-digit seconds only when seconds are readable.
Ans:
7.50.29
